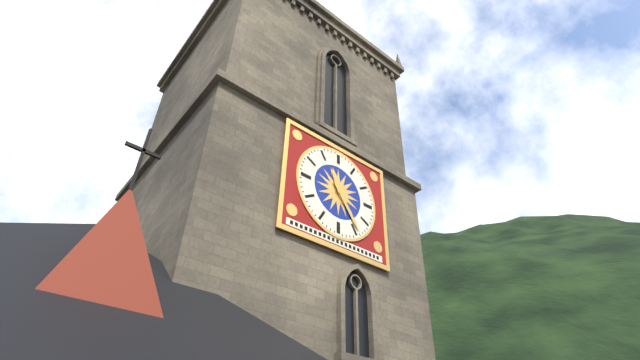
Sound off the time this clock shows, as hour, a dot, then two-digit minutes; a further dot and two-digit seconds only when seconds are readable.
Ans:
11.24
